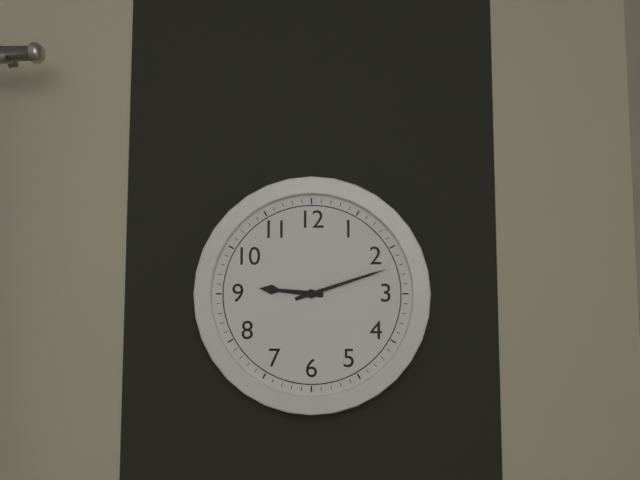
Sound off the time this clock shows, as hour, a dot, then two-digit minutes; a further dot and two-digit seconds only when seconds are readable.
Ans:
9.12
